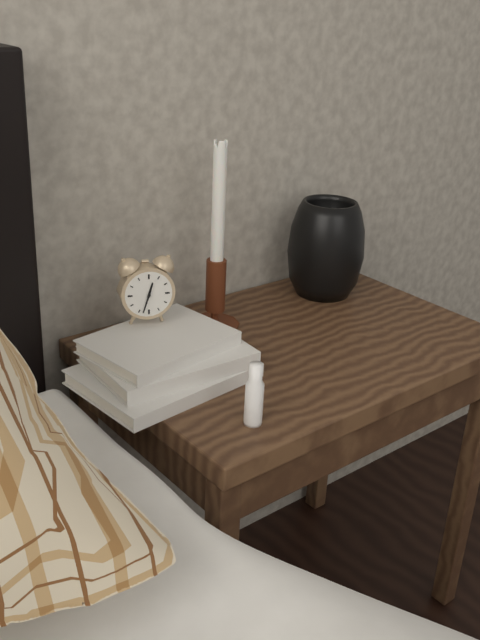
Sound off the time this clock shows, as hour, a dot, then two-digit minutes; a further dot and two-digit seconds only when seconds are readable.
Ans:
12.33
